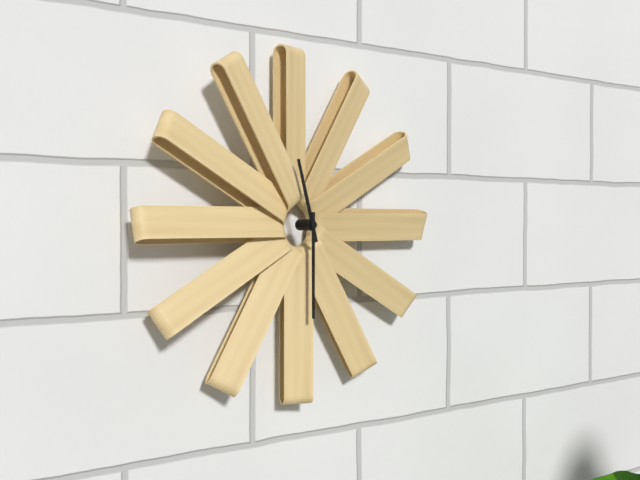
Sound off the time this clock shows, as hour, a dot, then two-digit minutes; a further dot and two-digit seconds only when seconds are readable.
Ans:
11.30
